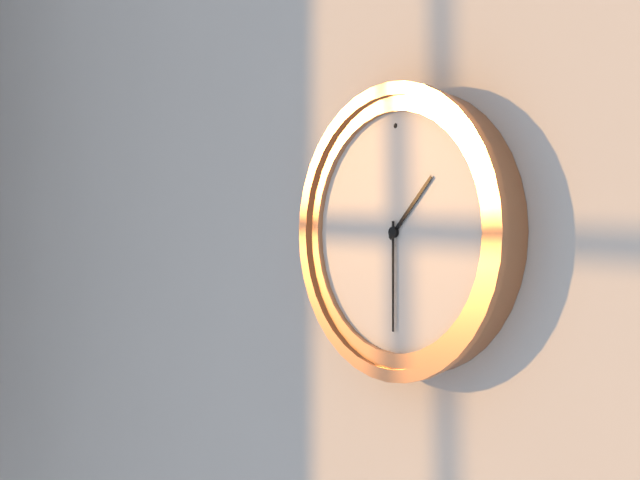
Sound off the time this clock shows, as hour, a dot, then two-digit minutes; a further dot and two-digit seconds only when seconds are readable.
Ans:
1.30
